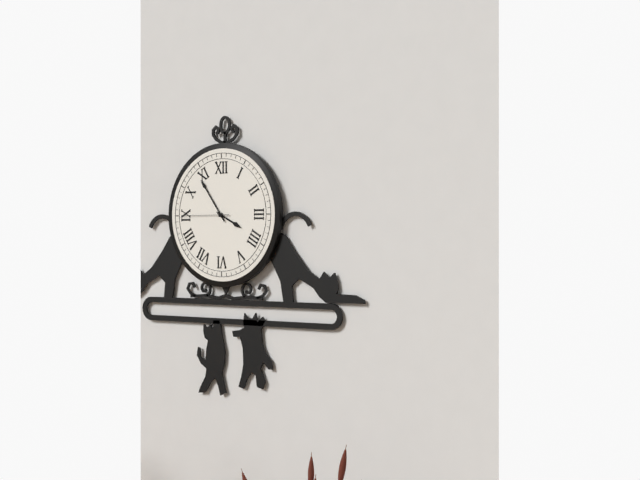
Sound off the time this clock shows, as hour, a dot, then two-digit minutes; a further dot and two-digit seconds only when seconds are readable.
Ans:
3.54.45
